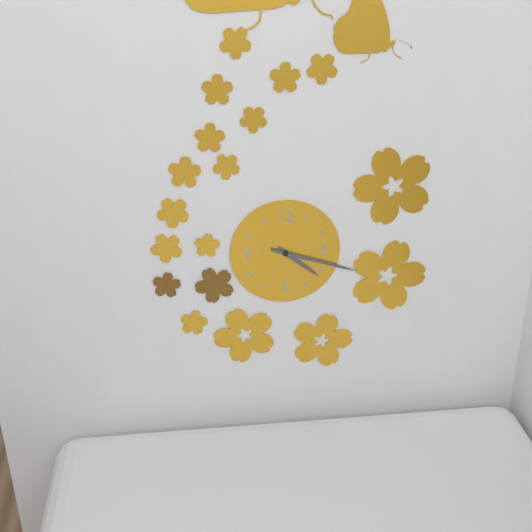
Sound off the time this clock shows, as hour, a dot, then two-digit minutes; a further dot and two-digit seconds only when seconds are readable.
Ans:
4.18
